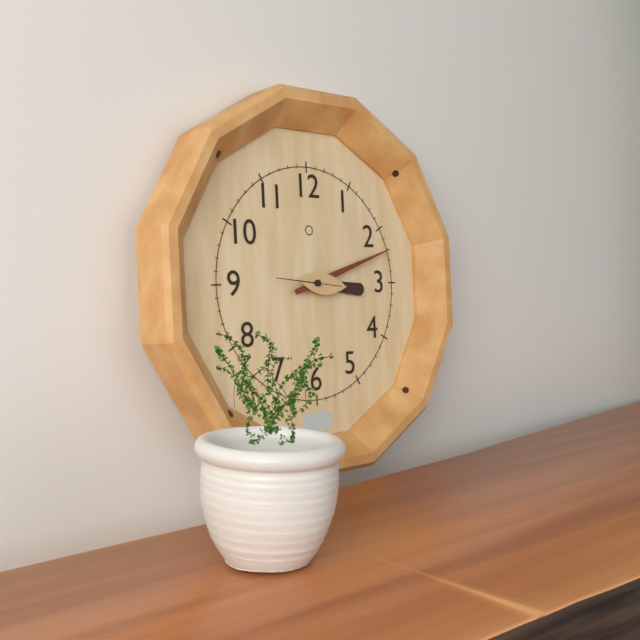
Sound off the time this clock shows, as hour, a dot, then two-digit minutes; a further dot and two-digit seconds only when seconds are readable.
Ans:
3.12
